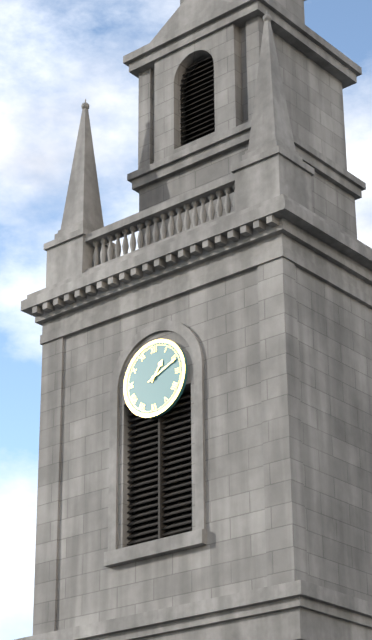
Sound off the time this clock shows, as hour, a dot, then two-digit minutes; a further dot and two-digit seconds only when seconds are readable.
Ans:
1.11
